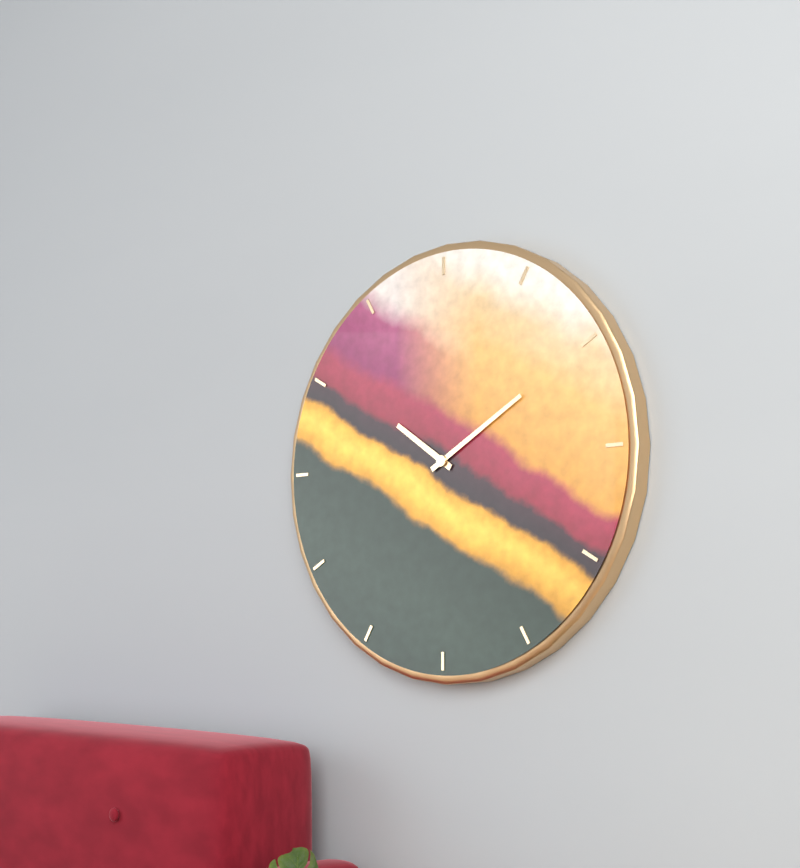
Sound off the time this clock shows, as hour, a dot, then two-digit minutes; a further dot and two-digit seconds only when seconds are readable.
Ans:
10.10
